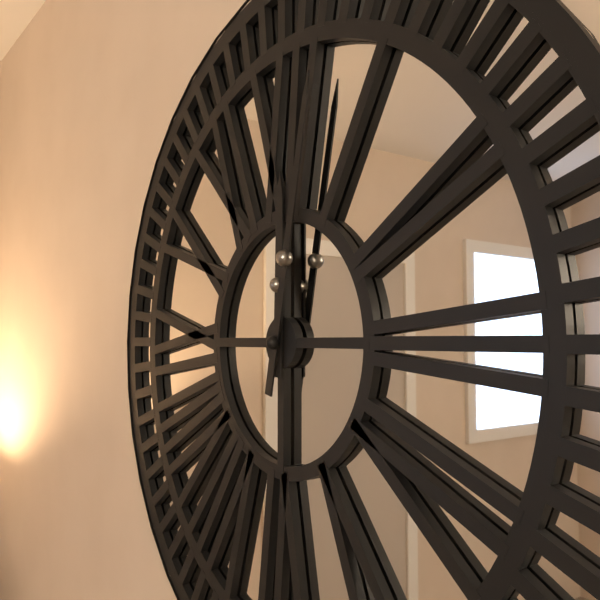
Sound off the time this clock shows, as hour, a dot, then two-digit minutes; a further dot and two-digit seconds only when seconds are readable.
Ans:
12.02
